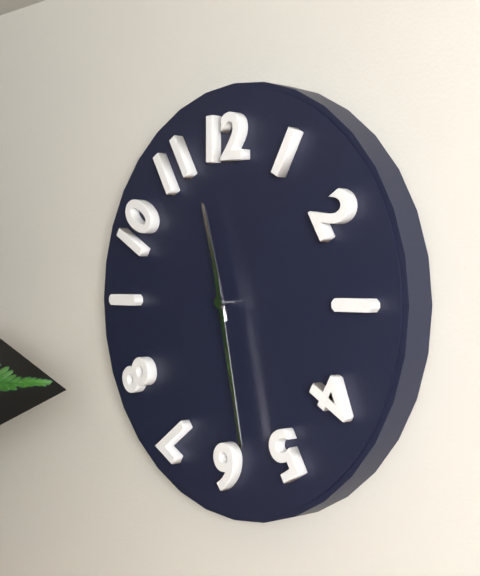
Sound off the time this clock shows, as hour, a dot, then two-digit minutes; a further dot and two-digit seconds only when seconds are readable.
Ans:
11.28
